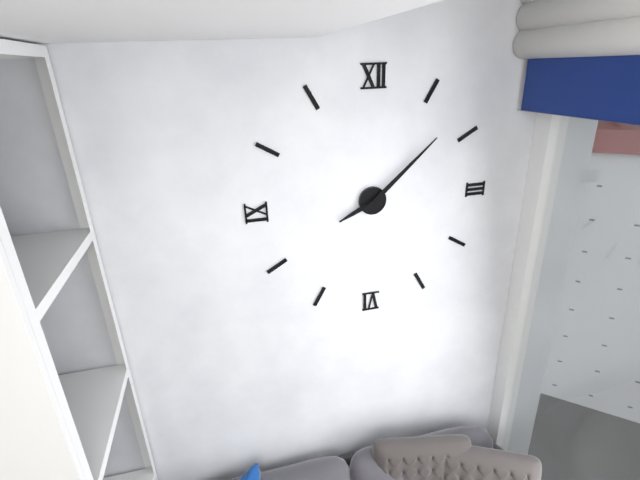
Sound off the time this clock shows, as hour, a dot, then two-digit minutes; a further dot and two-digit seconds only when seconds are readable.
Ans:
8.08
